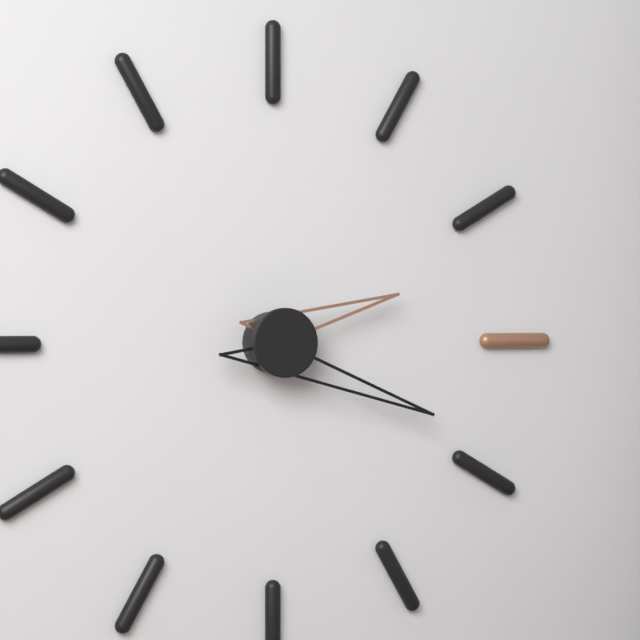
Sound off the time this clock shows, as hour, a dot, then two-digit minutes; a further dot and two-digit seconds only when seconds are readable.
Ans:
2.19
